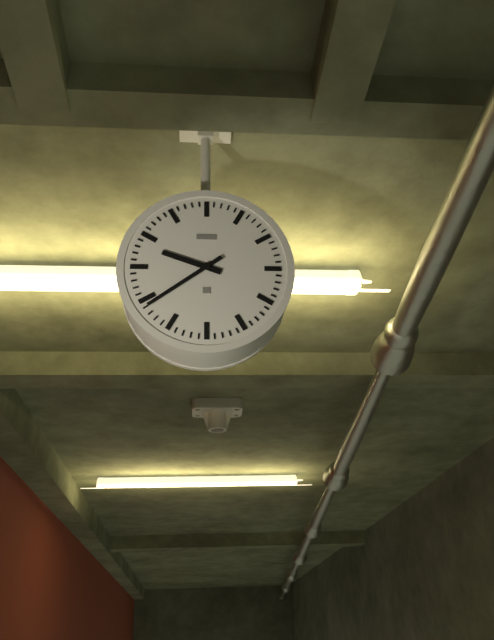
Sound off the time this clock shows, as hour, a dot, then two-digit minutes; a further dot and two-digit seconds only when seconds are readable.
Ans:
9.39
